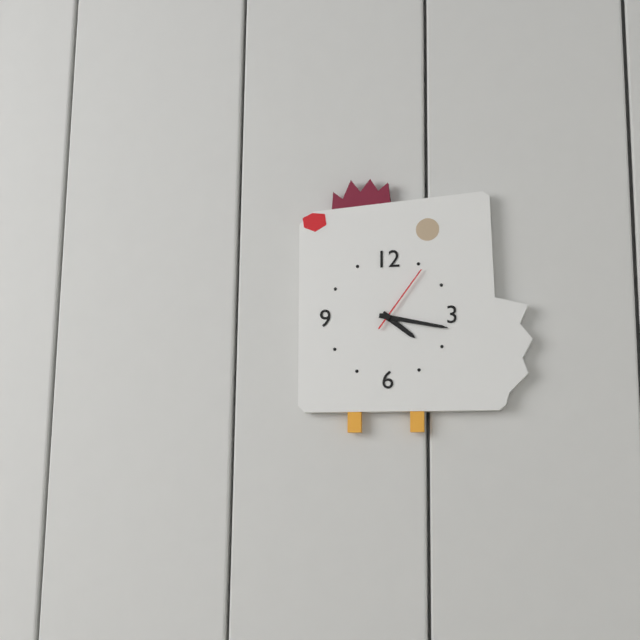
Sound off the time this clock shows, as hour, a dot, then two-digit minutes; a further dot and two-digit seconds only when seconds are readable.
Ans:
4.17.06
